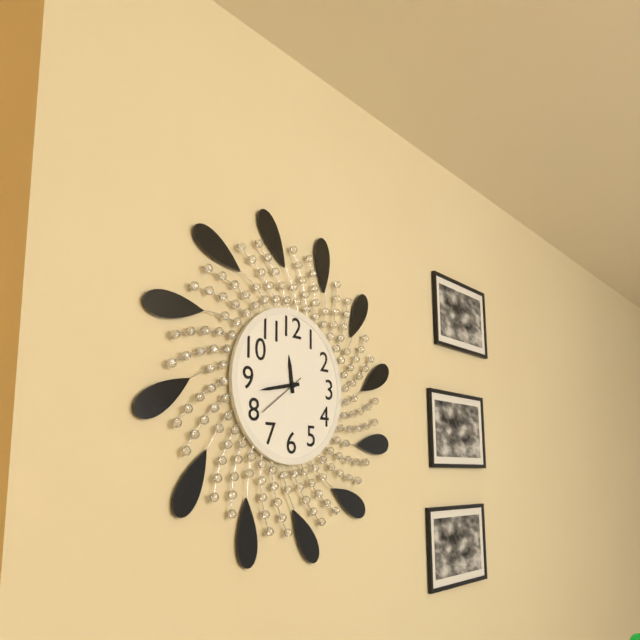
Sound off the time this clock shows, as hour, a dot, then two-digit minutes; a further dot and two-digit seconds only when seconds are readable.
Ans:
11.43.39
